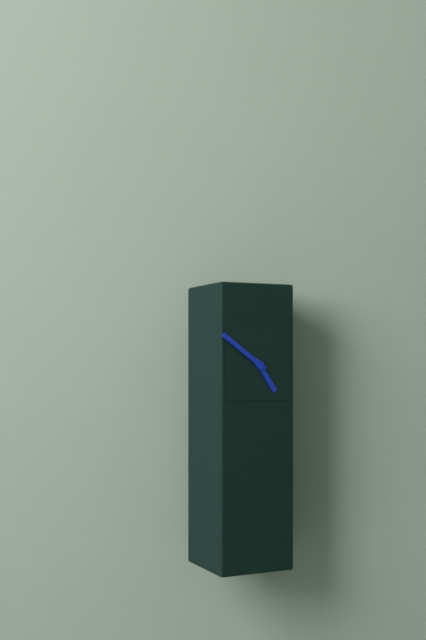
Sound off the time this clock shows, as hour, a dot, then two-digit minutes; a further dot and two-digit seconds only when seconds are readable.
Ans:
4.51
